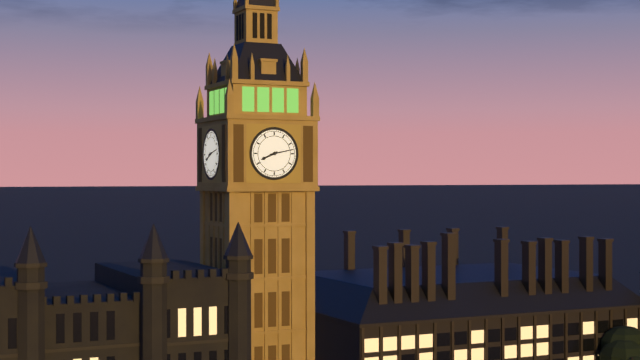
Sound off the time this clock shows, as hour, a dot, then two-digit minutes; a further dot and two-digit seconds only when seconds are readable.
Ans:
8.13
